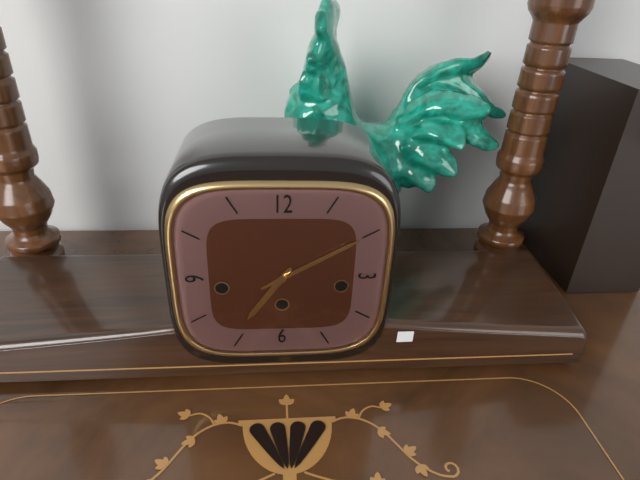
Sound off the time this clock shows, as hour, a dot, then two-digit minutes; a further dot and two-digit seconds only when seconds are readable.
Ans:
7.10
